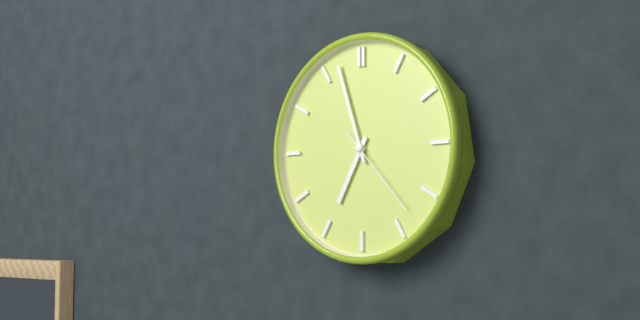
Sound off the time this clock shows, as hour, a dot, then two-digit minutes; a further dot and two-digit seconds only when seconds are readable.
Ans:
6.57.23
